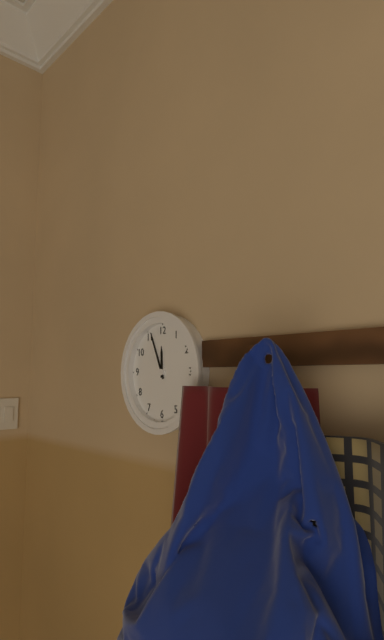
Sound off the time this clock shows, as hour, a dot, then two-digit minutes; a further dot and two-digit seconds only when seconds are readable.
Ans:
11.56
